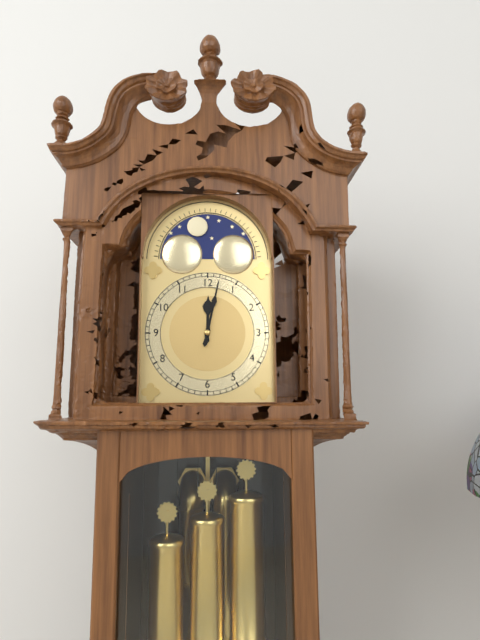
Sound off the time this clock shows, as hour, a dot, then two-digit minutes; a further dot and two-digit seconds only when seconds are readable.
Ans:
12.02
